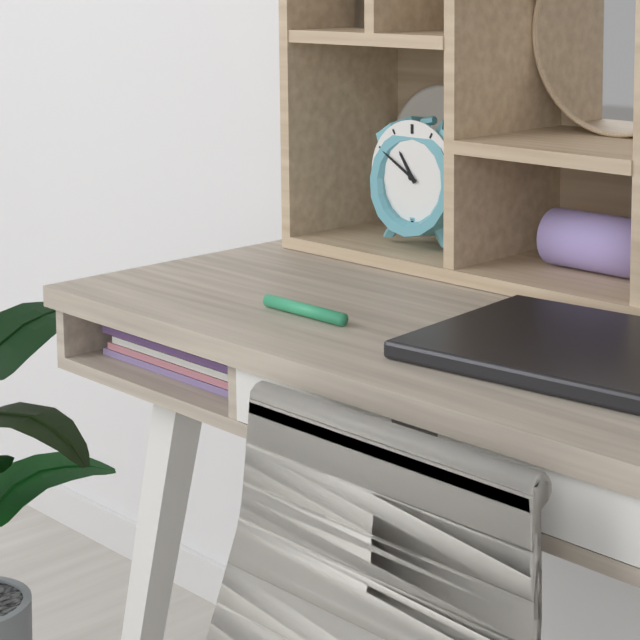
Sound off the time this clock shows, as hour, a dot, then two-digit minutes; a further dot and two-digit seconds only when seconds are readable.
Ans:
10.50
